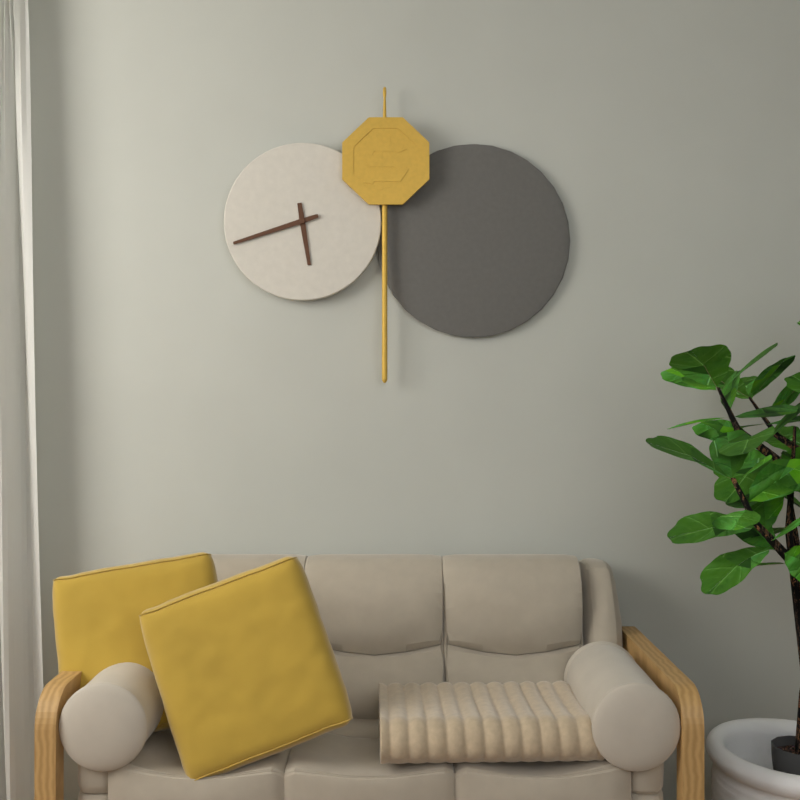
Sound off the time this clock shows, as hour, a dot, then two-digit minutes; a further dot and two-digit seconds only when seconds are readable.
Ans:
5.42
